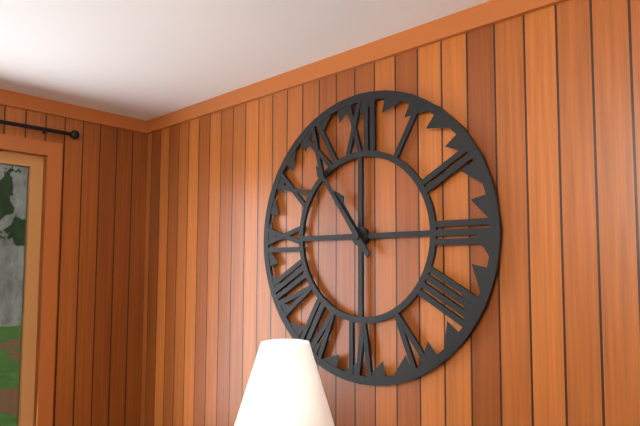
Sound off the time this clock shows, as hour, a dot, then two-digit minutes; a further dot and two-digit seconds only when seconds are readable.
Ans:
10.54
